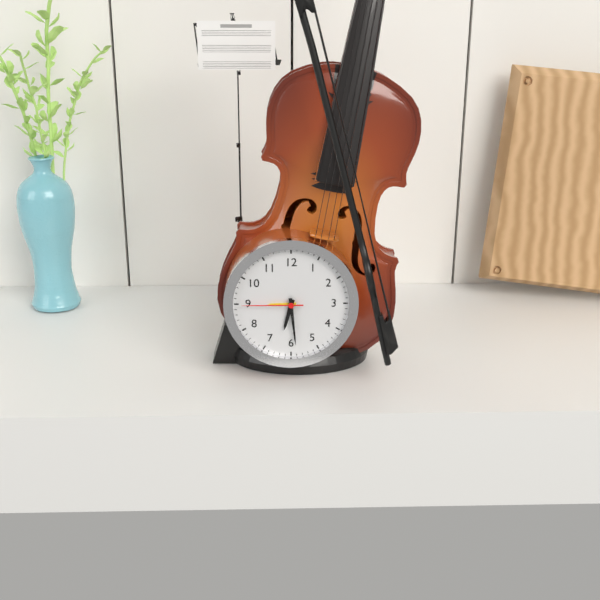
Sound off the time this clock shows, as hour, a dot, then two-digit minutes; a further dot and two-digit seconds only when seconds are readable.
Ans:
6.29.45
